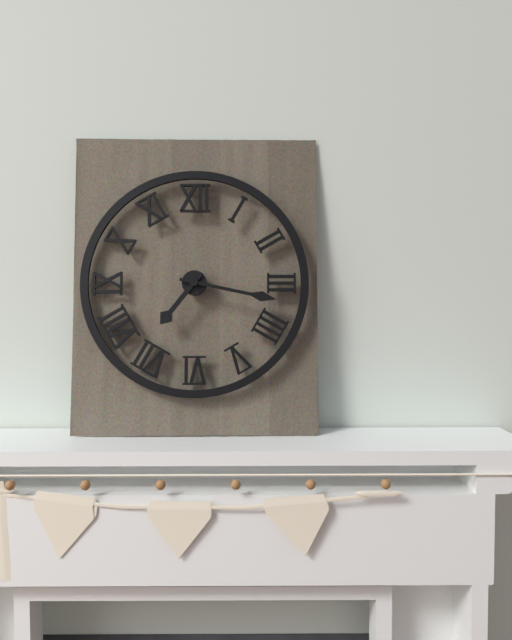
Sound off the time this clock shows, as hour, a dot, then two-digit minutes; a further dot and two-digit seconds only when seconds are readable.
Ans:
7.17
